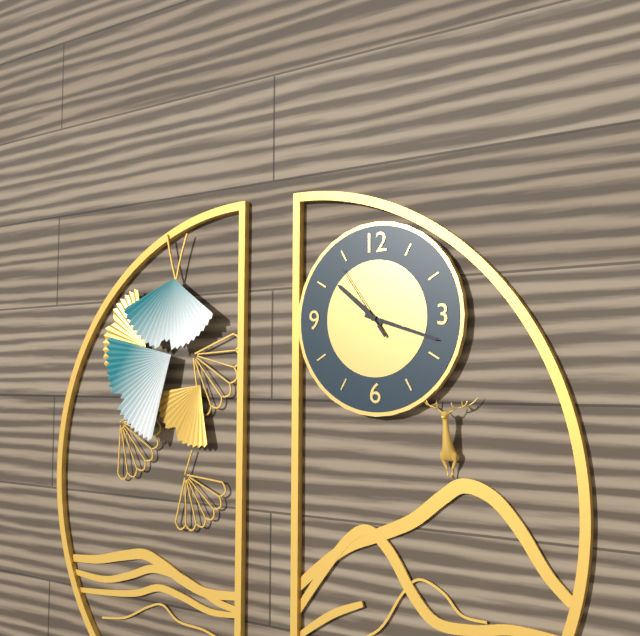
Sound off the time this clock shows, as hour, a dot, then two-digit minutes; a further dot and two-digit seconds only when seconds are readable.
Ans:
10.18.54
